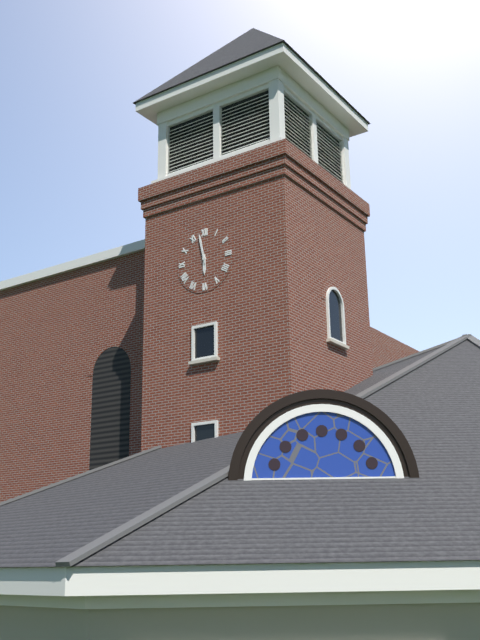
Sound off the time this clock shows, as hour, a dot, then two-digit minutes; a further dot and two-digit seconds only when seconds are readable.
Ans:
5.58
